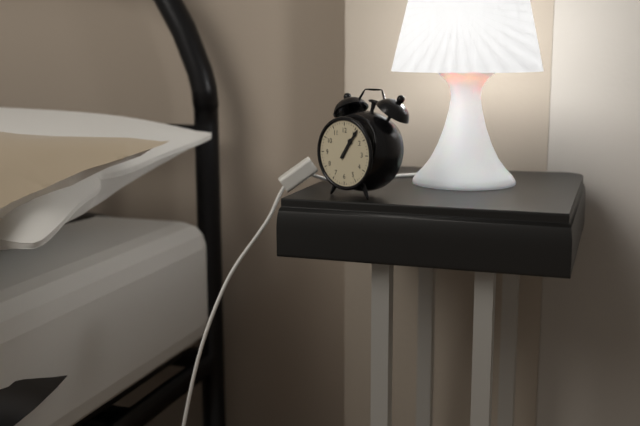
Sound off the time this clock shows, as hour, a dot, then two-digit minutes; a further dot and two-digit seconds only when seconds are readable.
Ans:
1.06
